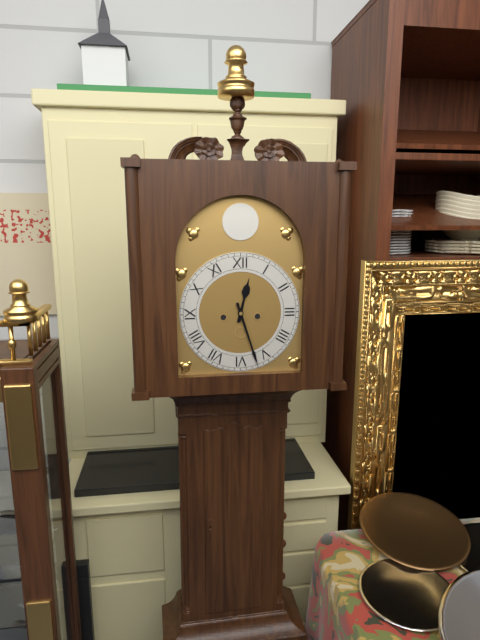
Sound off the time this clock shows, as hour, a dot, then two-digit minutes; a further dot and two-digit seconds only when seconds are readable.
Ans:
12.27
